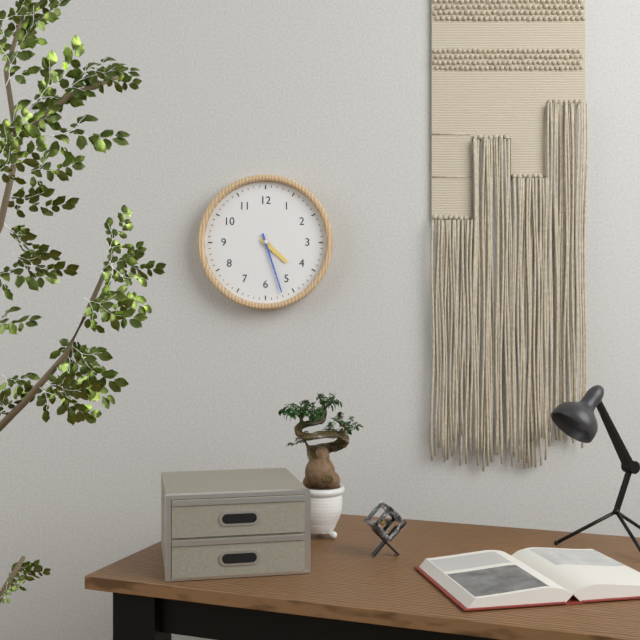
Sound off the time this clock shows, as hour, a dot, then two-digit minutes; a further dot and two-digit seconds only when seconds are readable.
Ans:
4.27
